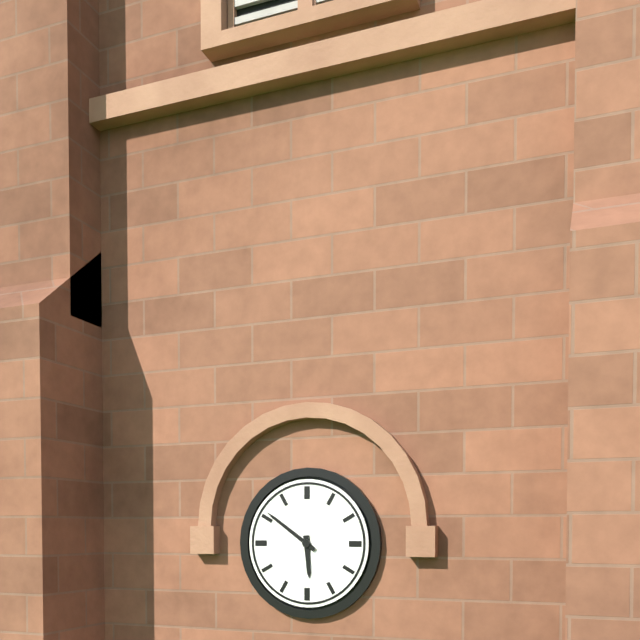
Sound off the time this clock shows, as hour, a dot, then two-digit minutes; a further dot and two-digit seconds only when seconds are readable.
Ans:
5.51
